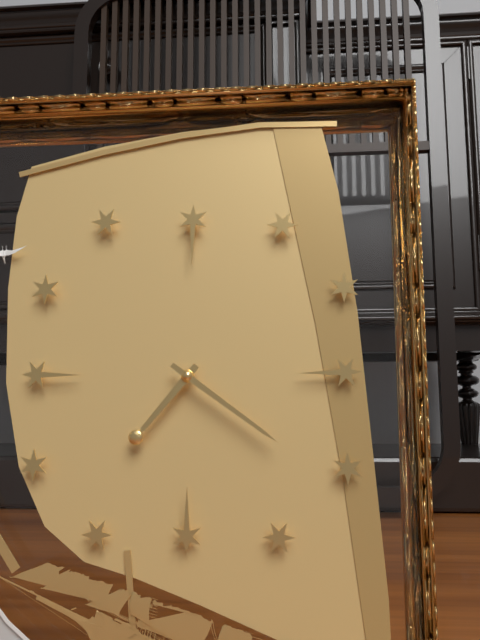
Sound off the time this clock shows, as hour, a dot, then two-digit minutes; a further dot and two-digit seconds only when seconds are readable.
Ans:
7.21
